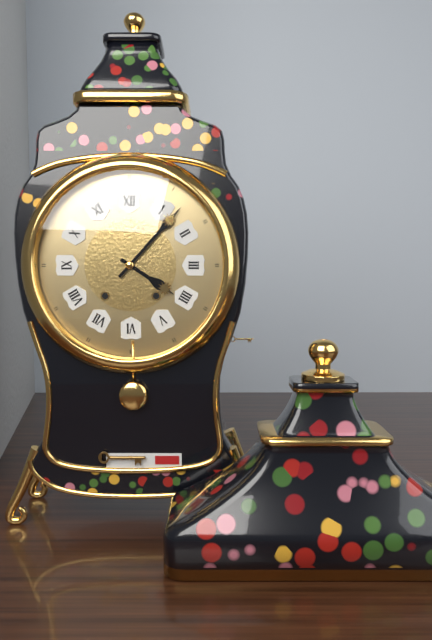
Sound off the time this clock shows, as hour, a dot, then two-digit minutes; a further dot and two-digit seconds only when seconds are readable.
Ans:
4.07
